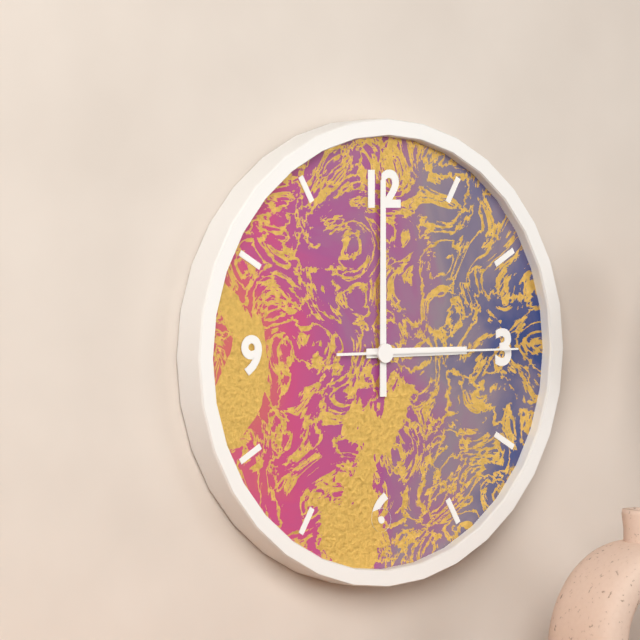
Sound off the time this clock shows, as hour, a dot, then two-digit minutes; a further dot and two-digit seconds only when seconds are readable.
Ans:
3.00.15
